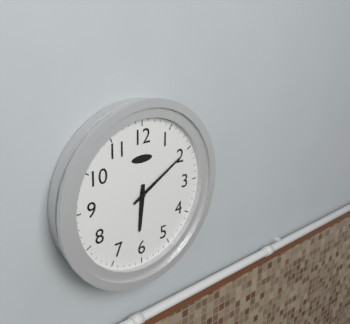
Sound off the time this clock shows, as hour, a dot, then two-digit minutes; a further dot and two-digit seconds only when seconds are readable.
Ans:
6.10
